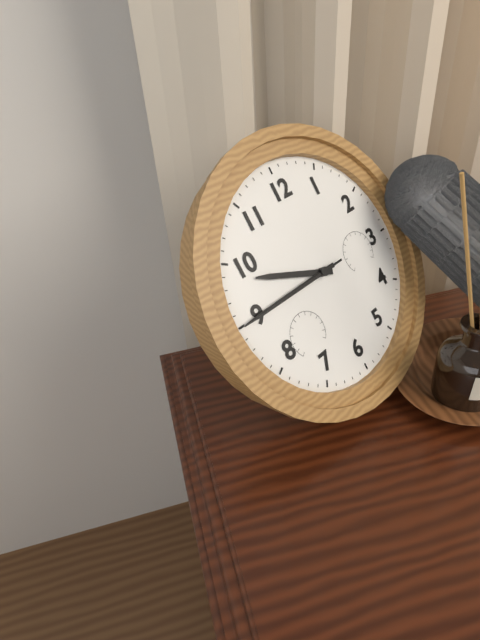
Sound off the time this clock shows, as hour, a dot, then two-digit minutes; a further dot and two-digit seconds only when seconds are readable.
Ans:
9.45.45
